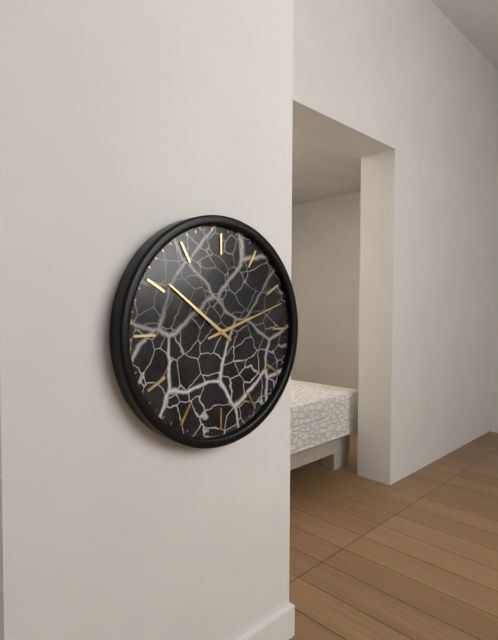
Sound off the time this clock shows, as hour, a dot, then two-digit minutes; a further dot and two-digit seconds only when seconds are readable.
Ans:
10.12
